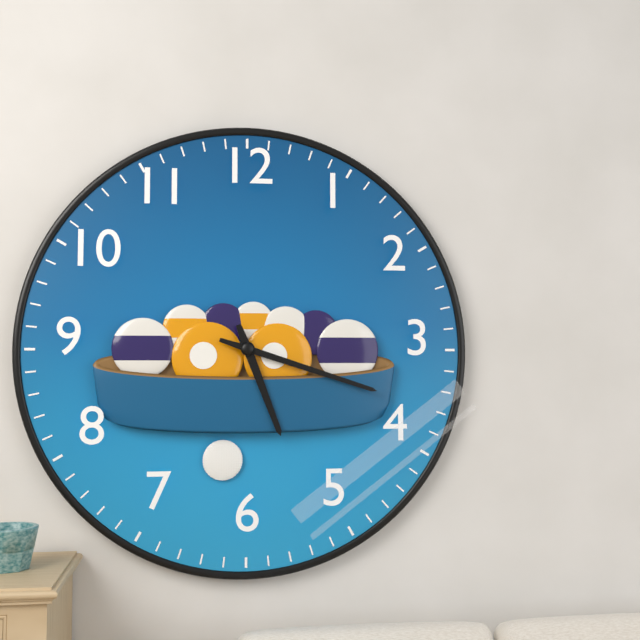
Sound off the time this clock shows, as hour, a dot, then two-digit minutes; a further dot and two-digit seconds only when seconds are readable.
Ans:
5.18
